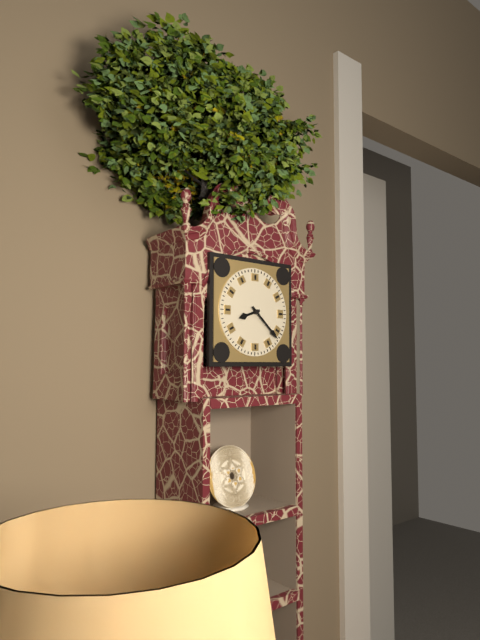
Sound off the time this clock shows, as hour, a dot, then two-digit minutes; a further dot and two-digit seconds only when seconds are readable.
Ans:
8.22
